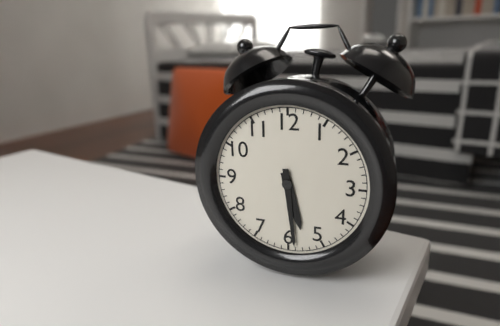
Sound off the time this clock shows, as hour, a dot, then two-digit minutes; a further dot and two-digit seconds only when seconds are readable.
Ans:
5.29
